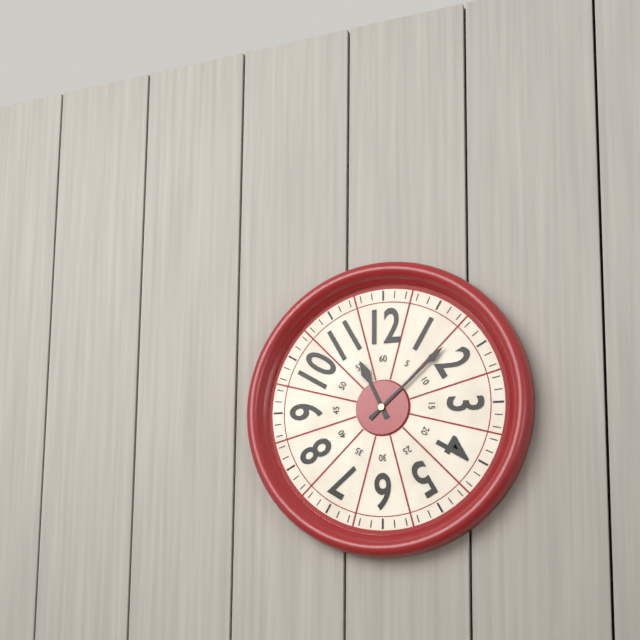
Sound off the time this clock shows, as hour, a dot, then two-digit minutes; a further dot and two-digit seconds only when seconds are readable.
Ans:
11.08
